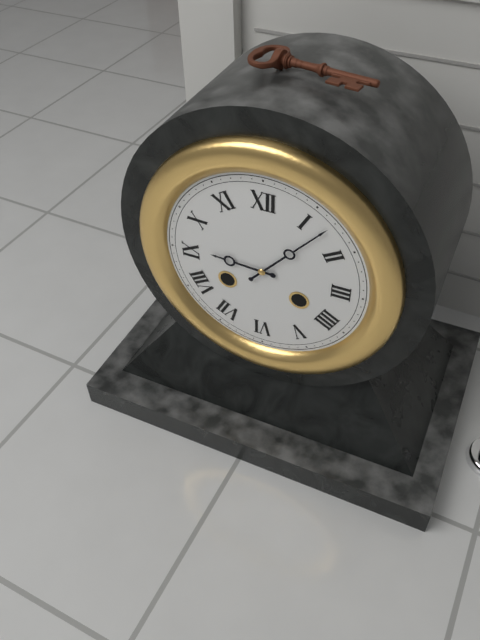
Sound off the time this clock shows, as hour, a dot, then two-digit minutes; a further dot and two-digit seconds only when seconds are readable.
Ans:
9.07
